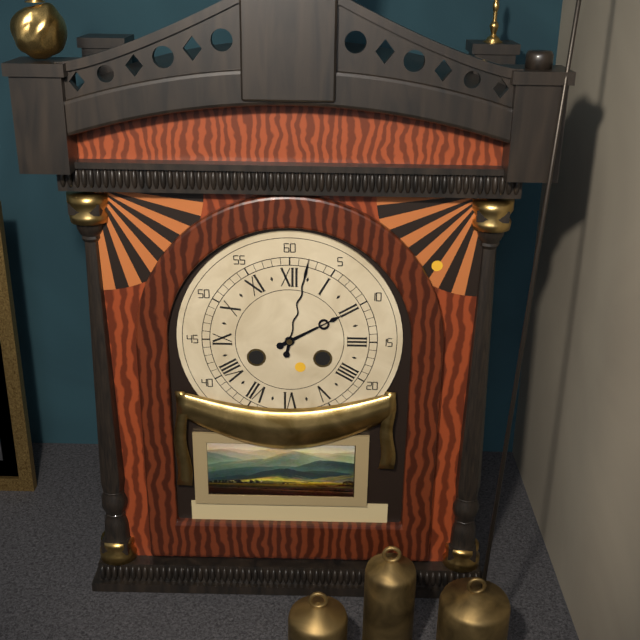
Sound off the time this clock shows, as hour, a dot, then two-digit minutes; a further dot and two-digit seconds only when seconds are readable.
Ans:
2.02
